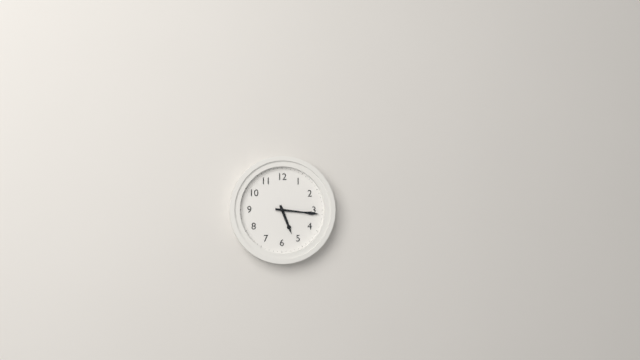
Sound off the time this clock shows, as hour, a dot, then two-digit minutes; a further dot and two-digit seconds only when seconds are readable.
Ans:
5.16
